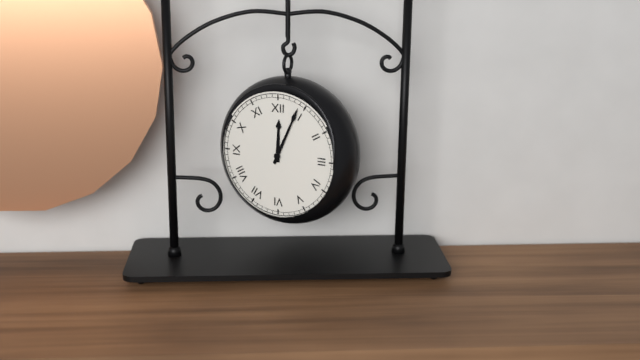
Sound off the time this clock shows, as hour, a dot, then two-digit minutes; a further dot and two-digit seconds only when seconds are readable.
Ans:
12.04
